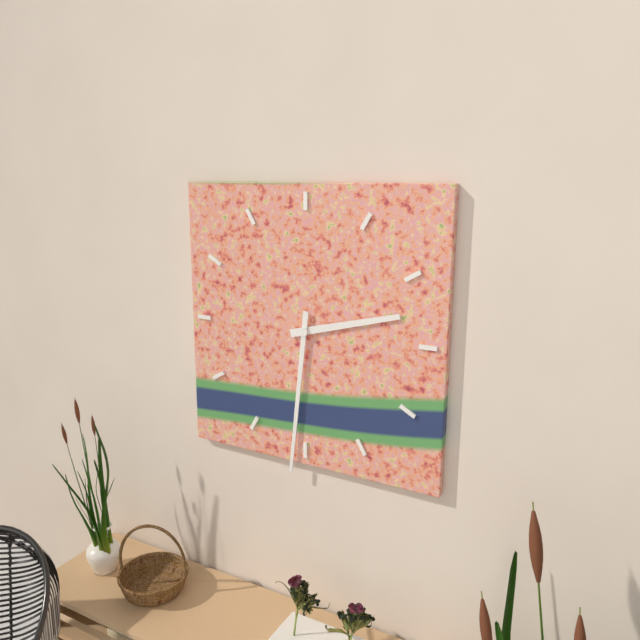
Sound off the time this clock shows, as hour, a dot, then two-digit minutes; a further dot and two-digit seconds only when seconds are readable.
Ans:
2.31
